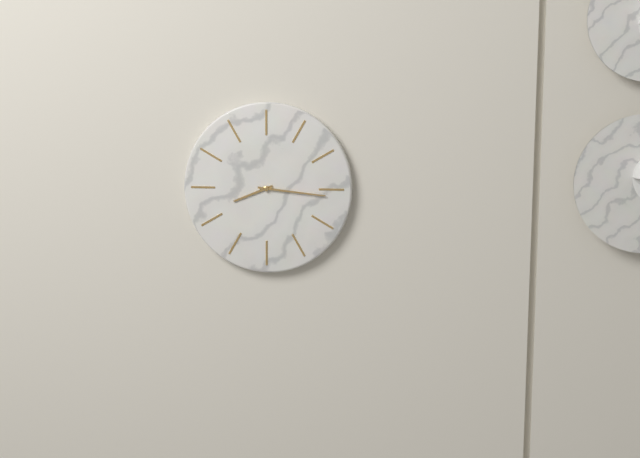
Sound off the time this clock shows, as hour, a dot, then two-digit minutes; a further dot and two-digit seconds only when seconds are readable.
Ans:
8.16
